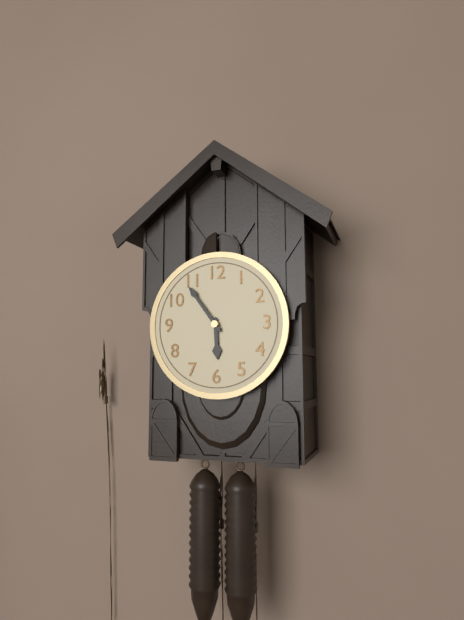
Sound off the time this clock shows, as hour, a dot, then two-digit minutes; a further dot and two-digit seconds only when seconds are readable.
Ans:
5.54
